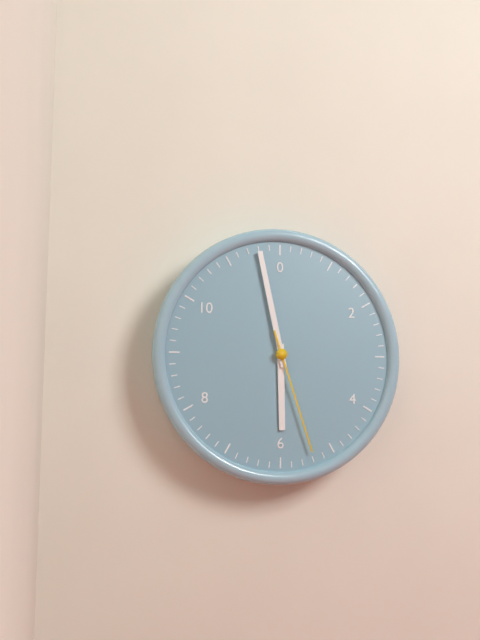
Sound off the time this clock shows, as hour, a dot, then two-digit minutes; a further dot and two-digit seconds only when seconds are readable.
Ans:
5.58.27
